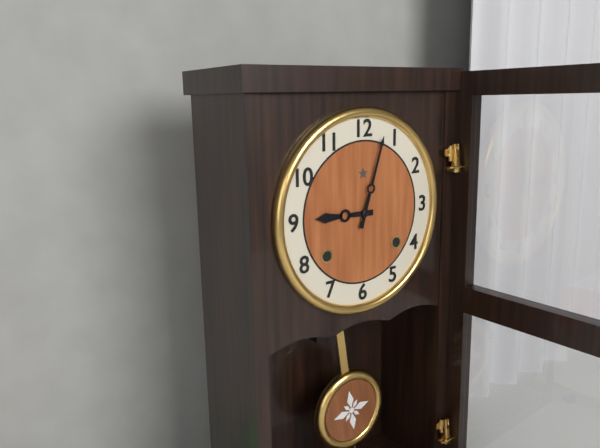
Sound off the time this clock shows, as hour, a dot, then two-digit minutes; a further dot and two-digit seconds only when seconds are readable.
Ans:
9.03
